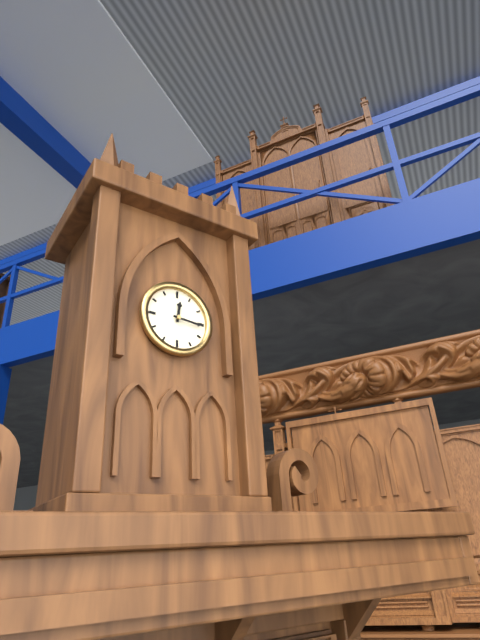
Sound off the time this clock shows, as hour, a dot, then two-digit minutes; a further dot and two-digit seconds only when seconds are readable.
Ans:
12.16
